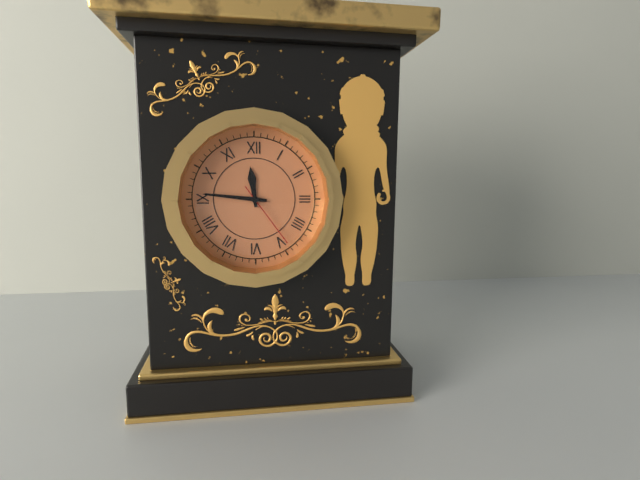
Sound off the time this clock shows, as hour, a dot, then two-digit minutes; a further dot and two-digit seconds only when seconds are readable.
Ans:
11.46.24
